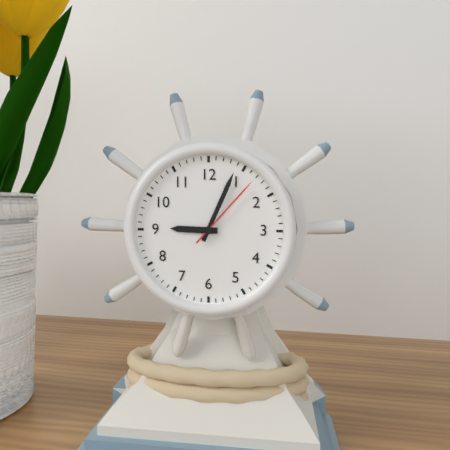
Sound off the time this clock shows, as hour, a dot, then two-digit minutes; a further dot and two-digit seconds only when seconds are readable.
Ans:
9.04.07
